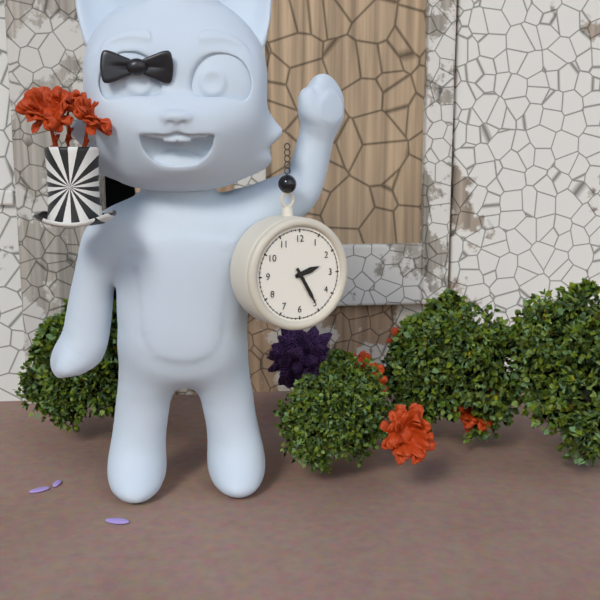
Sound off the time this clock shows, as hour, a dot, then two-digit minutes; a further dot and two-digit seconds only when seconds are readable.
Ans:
2.25
